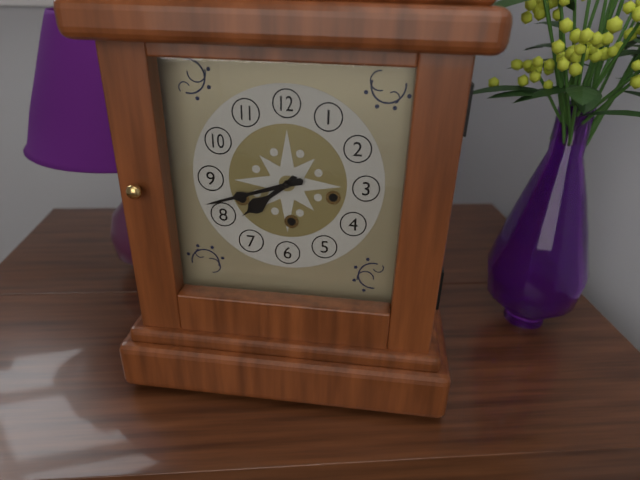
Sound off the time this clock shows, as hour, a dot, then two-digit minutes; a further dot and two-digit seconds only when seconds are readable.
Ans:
7.42
